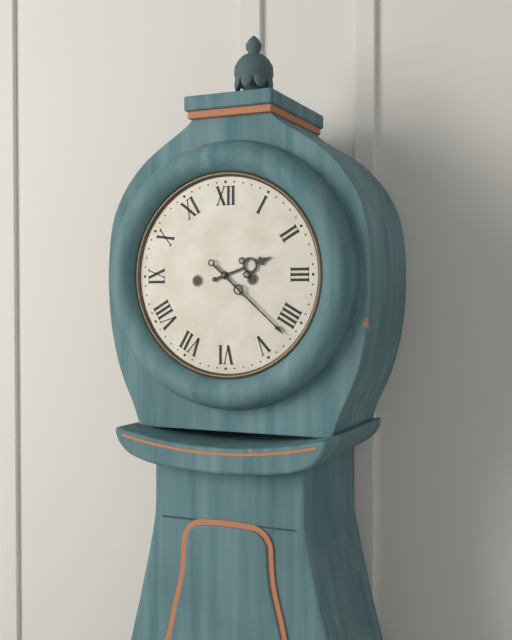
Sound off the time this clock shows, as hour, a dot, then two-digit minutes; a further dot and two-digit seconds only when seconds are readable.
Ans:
2.22
